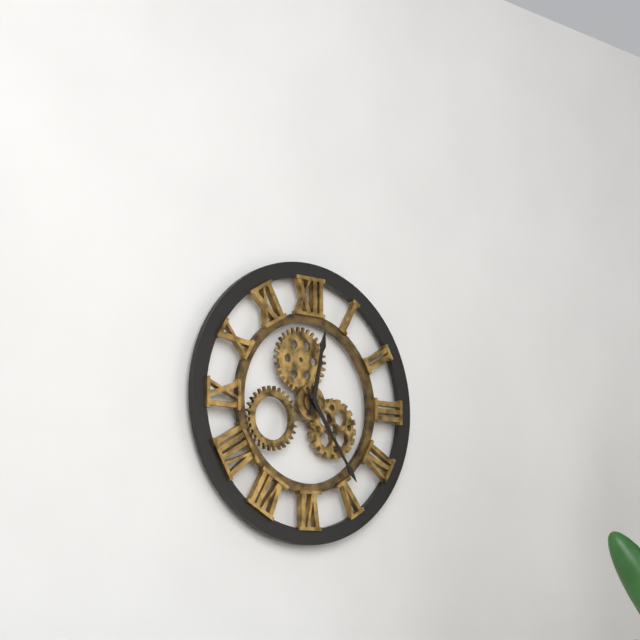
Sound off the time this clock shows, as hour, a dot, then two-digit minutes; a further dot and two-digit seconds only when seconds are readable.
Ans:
12.24
